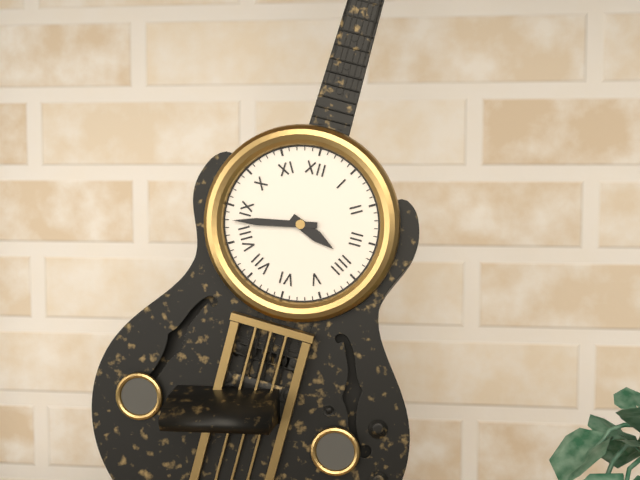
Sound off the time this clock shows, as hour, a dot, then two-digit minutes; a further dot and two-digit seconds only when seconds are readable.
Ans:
3.43
